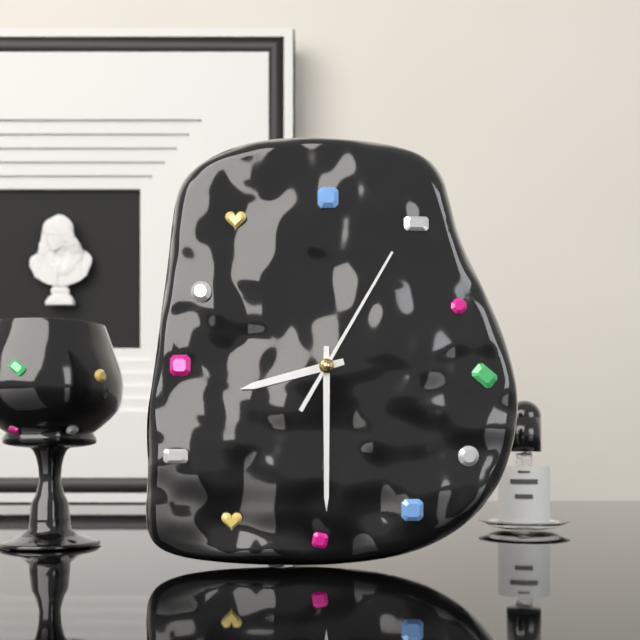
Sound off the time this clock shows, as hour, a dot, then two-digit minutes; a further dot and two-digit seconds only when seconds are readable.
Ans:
8.30.05
